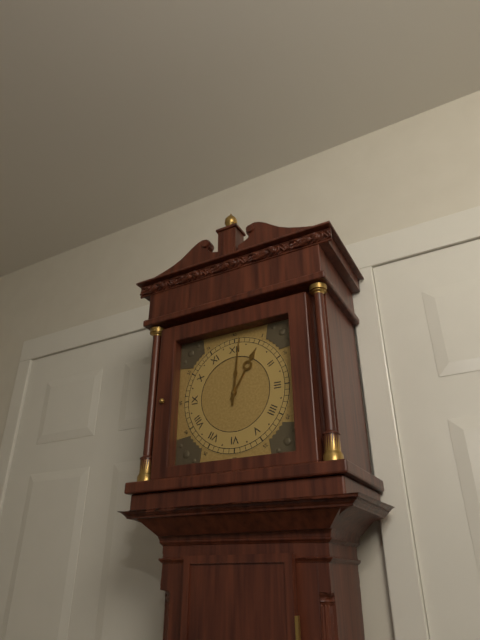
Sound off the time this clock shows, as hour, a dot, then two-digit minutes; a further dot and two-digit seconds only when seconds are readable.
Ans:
1.01
